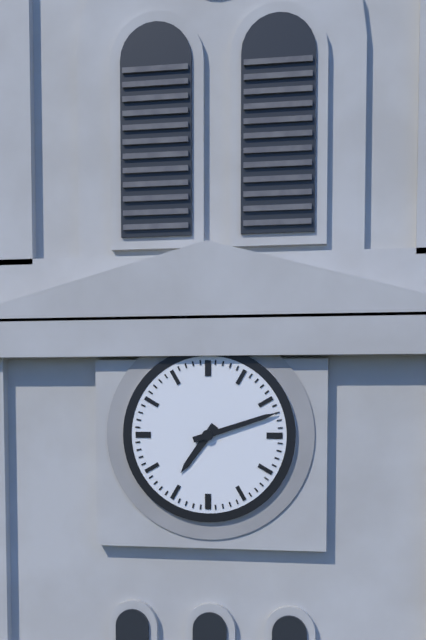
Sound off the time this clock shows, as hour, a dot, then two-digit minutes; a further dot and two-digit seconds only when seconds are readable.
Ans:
7.12
